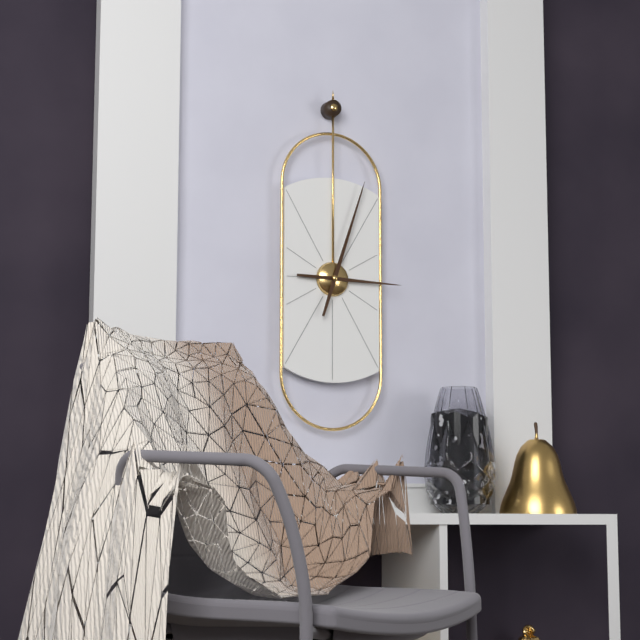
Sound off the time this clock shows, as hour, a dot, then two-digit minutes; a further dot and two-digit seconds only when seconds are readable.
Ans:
3.03
